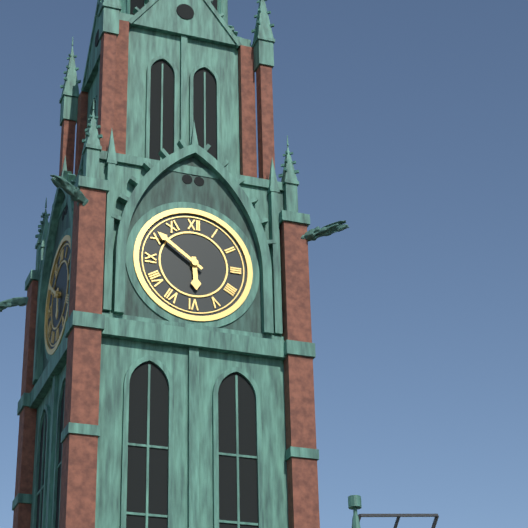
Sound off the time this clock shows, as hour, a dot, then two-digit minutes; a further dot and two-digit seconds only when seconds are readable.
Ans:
5.51
